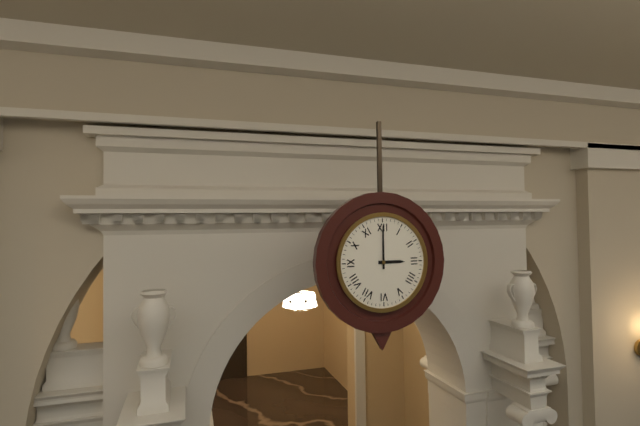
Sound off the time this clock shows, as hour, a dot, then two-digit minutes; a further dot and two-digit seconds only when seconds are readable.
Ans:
3.00
